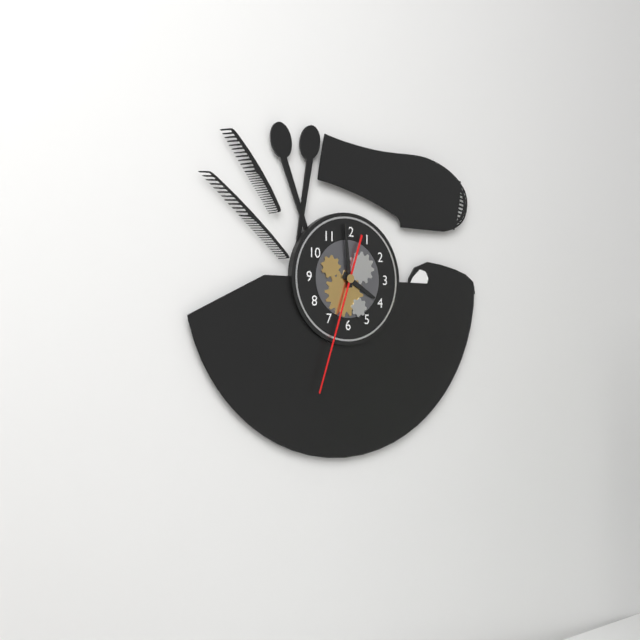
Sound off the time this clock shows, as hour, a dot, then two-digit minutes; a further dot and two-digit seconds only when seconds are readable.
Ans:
3.59.33
